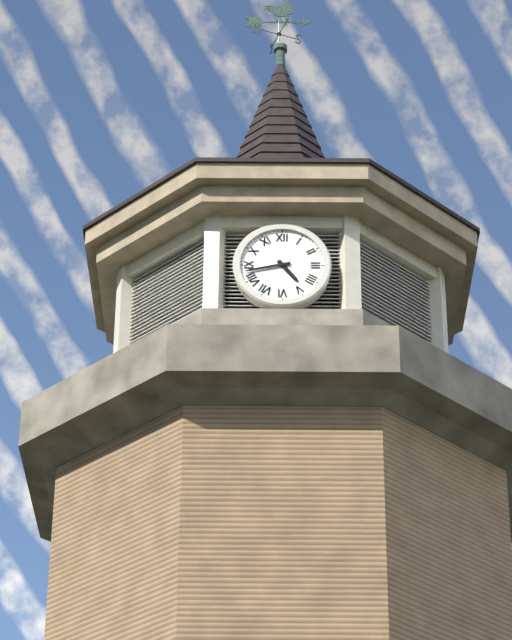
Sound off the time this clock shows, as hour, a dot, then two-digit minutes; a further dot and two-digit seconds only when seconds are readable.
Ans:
4.43
